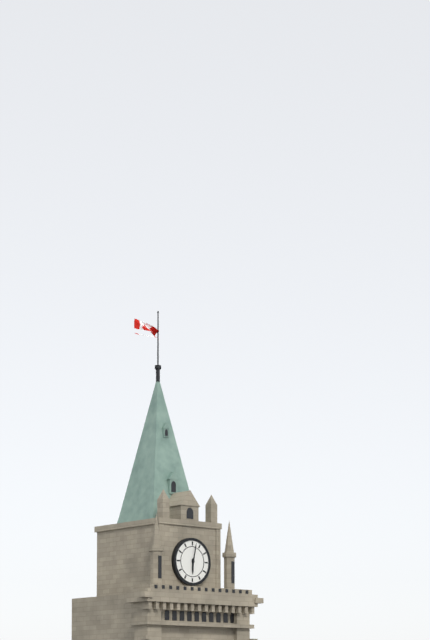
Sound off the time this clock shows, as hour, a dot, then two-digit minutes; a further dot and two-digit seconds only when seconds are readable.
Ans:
6.02
